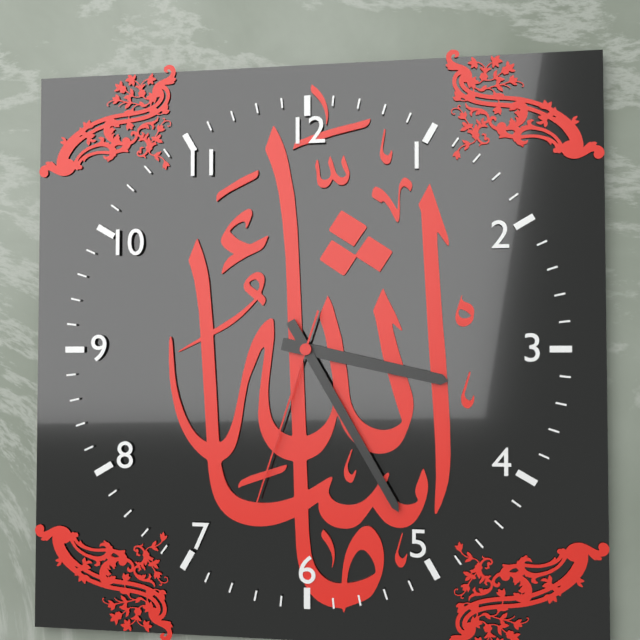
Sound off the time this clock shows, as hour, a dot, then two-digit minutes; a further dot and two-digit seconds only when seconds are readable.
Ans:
3.25.33
